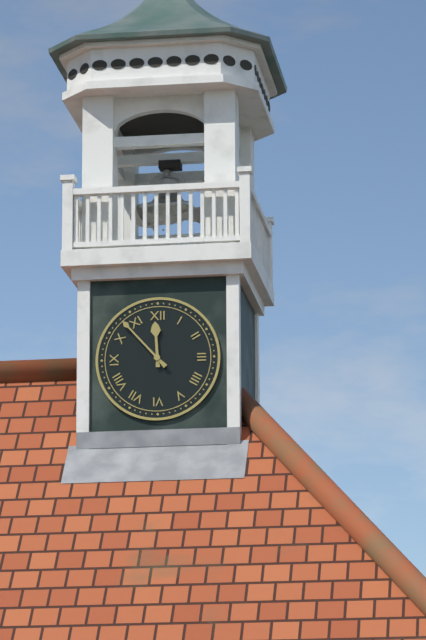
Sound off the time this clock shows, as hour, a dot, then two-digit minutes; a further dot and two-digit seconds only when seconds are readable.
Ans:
11.53
